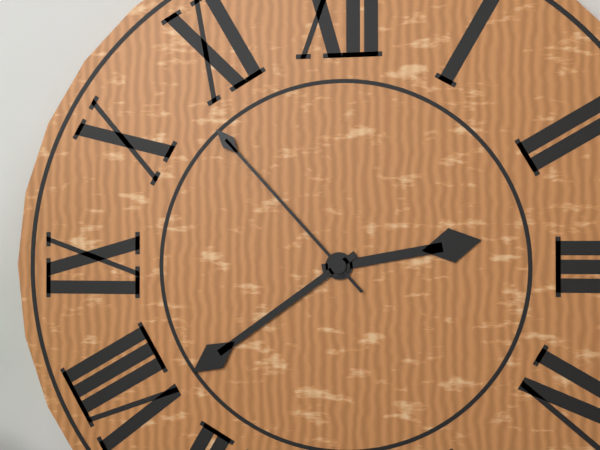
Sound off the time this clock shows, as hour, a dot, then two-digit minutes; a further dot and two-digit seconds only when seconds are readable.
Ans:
2.39.53
